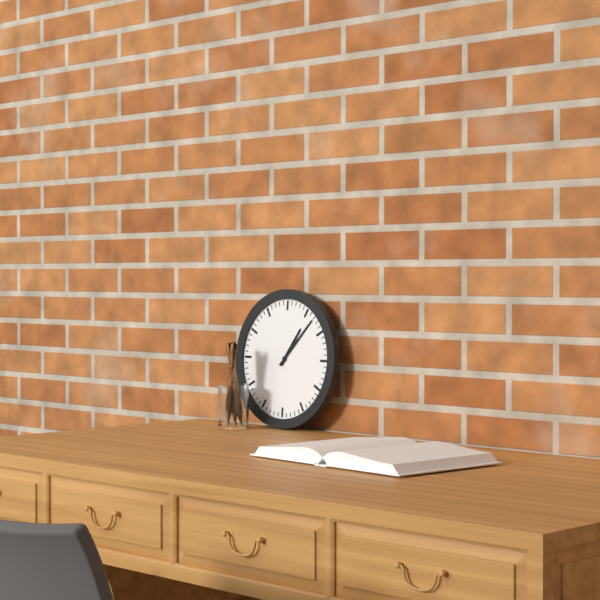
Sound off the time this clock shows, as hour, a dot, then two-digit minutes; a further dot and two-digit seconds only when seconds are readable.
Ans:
1.07
